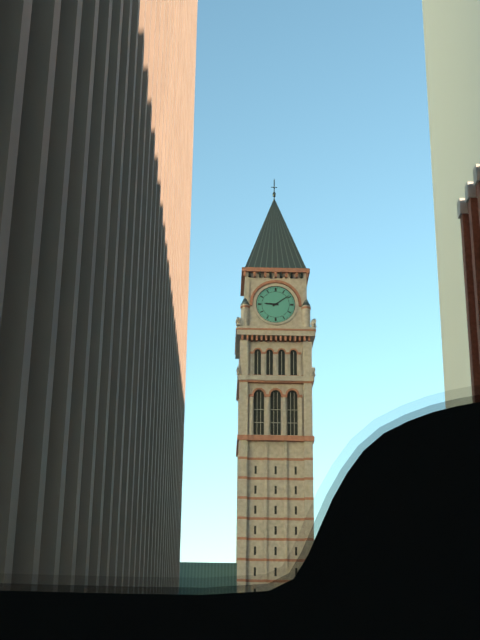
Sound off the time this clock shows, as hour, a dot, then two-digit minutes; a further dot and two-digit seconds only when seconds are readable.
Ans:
9.09
